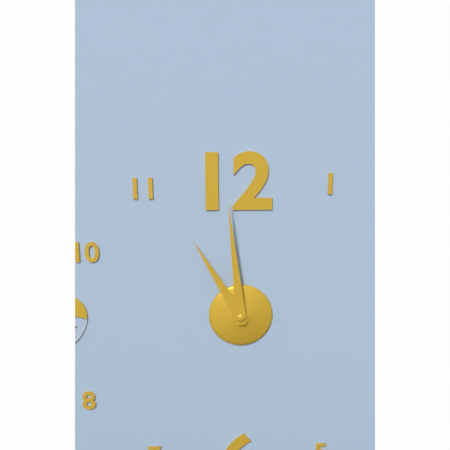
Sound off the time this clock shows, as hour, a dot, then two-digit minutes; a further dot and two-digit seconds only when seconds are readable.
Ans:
10.59
